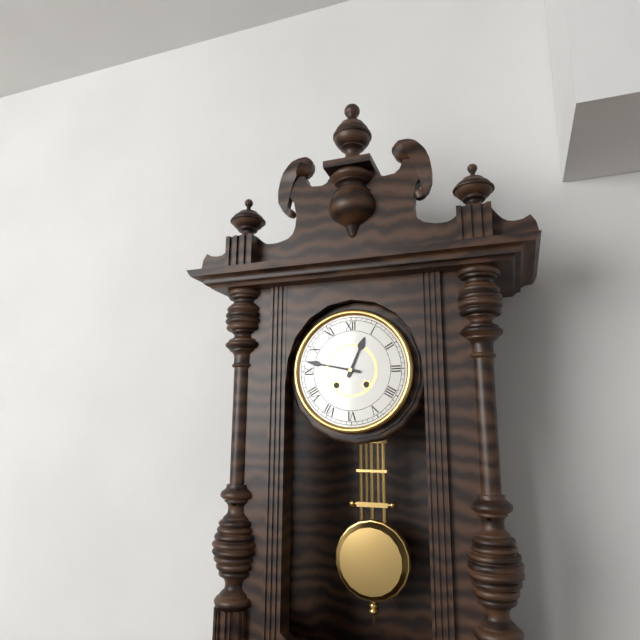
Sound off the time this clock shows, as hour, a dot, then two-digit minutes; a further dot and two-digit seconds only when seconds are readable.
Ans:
12.47
